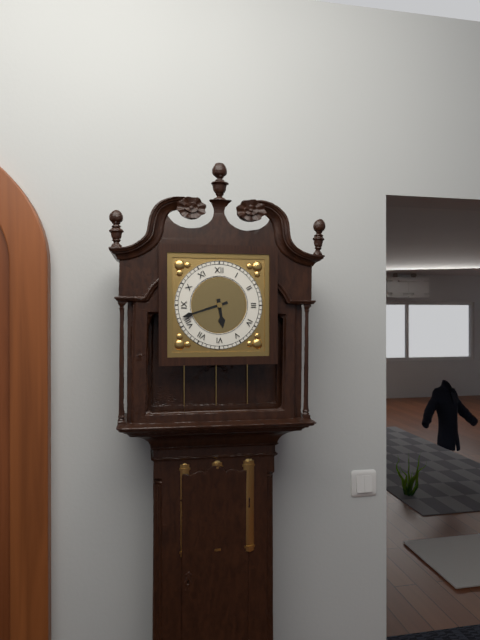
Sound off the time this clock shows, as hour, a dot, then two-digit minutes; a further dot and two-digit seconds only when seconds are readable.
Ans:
5.42
